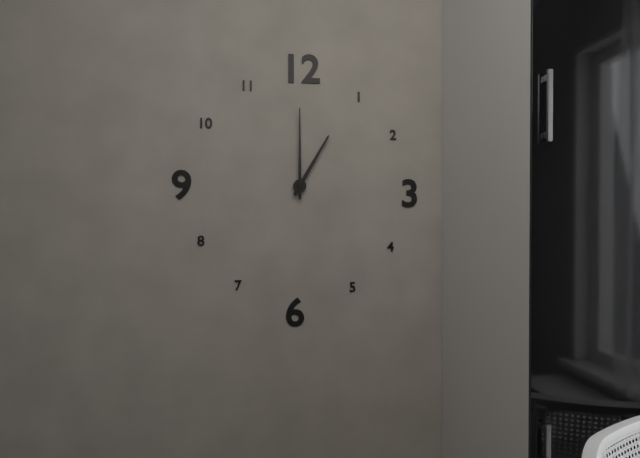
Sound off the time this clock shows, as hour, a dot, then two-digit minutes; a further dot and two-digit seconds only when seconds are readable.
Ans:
1.00
